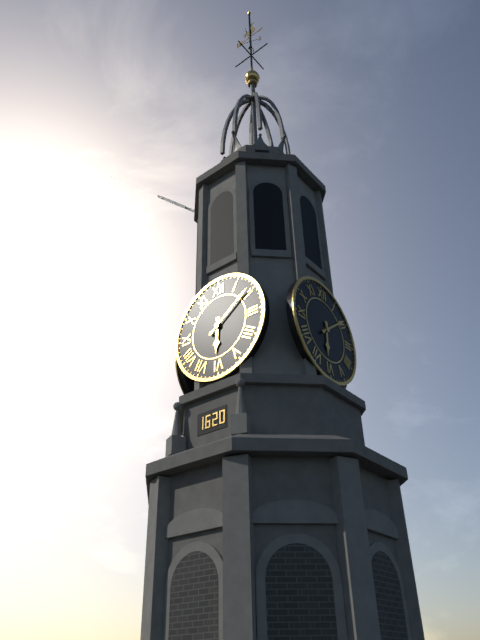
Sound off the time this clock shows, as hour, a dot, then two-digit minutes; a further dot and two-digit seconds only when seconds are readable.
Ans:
6.09
